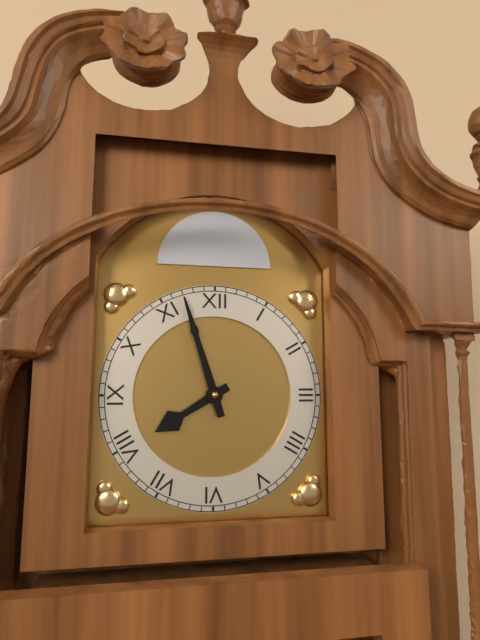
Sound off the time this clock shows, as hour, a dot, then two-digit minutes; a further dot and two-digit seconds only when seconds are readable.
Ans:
7.57
